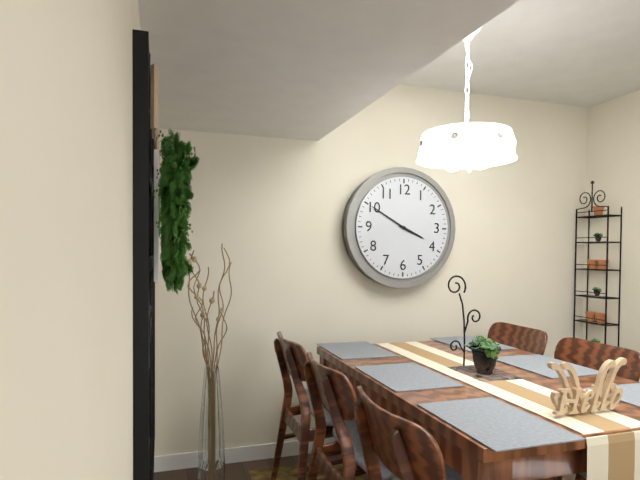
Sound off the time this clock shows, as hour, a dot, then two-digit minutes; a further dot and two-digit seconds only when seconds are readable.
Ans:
3.50
